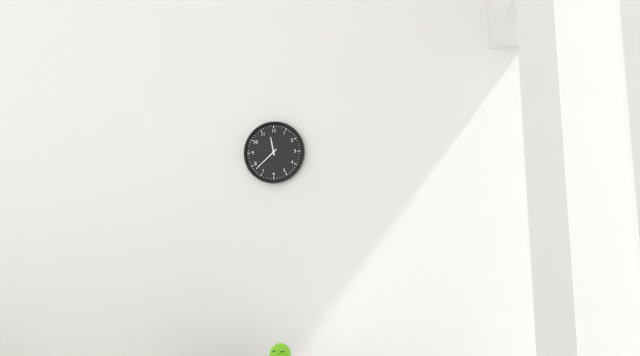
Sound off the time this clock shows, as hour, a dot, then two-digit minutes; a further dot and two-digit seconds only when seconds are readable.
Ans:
11.38
